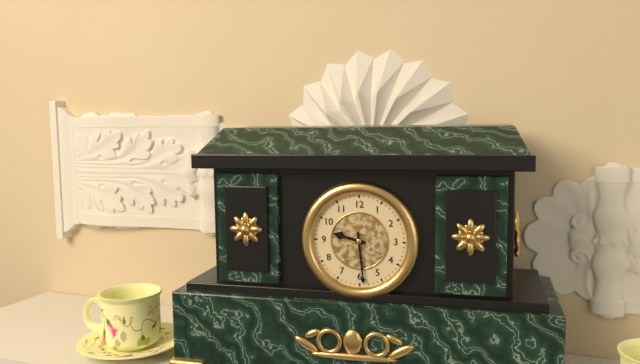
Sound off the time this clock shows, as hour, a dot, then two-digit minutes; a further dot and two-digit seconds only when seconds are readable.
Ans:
9.29
